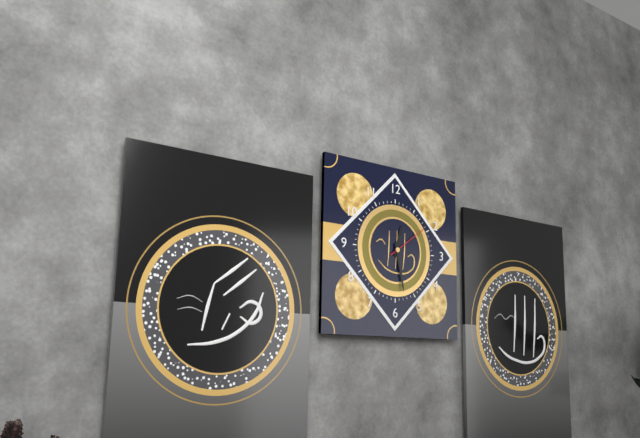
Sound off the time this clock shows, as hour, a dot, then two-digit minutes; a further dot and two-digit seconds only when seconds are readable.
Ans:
12.28
